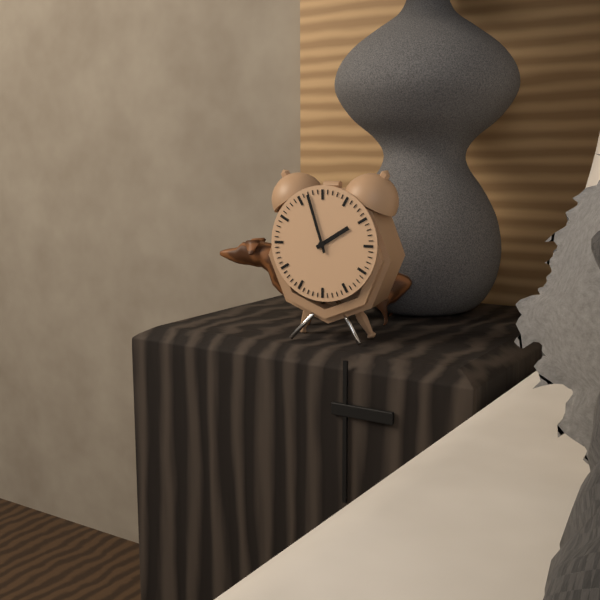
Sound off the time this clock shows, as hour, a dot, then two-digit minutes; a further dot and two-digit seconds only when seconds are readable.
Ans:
1.57
